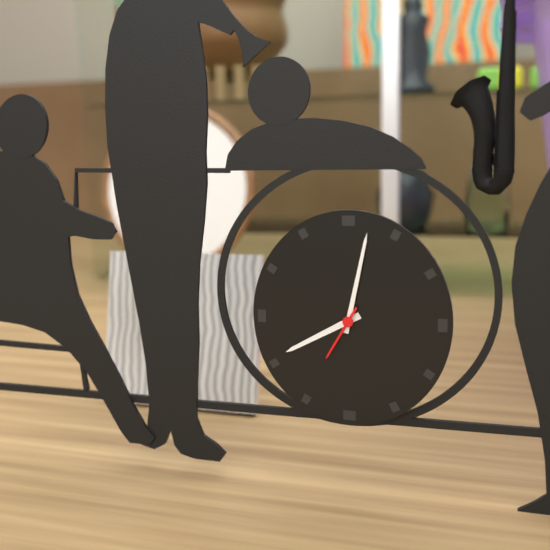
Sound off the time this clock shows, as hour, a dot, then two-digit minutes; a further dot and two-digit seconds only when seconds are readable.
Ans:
8.02.35
